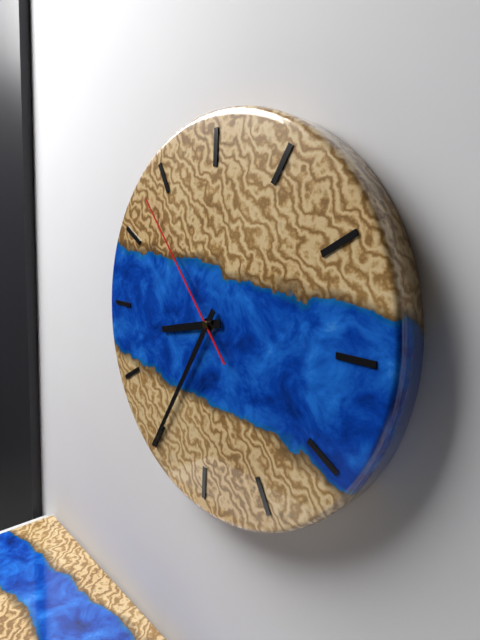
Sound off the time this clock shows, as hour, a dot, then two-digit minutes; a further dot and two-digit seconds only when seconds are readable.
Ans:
8.35.53
